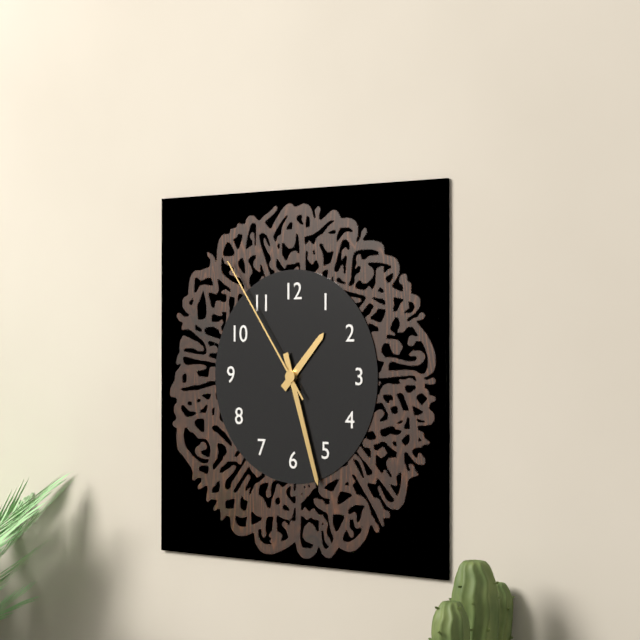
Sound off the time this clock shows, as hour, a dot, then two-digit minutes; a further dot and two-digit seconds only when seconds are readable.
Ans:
1.27.54
